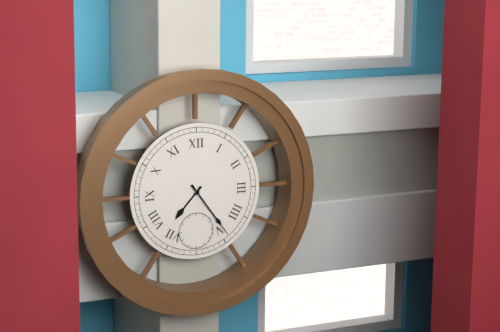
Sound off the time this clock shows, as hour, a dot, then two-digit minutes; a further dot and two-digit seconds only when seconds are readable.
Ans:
7.24
